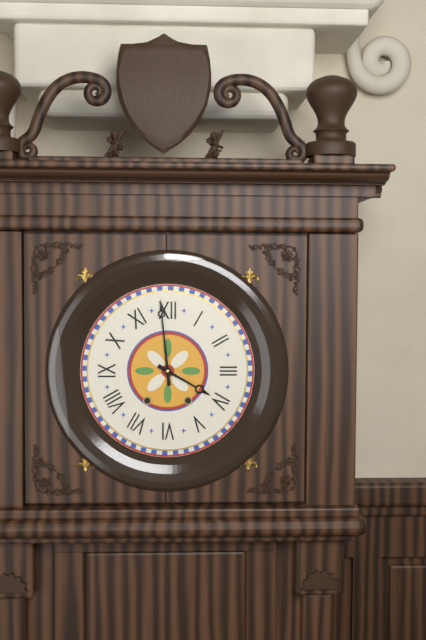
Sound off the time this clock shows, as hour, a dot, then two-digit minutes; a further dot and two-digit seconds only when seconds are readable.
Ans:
3.59
